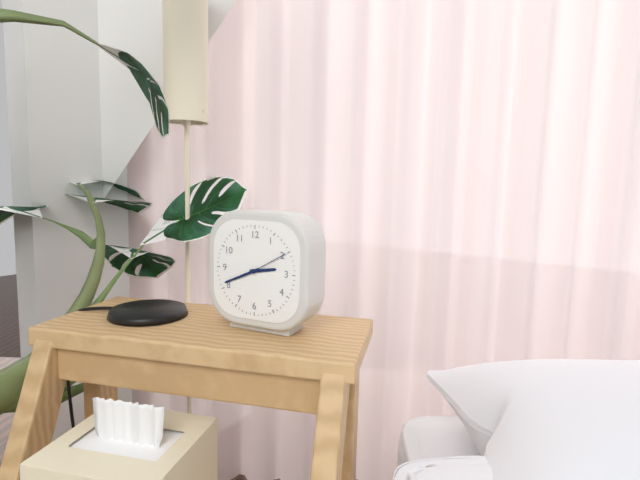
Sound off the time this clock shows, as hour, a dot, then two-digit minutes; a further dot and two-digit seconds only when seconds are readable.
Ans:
2.41
